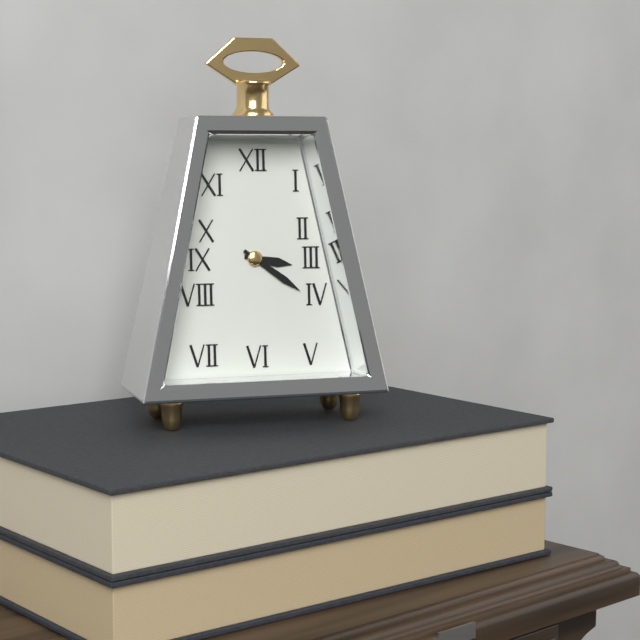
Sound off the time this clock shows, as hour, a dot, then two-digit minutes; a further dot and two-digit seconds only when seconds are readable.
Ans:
3.21
